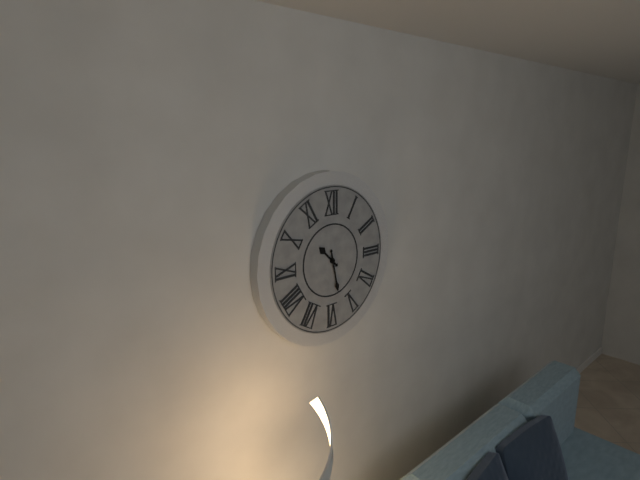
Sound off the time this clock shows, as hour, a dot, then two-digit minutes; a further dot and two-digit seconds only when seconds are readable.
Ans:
10.28
